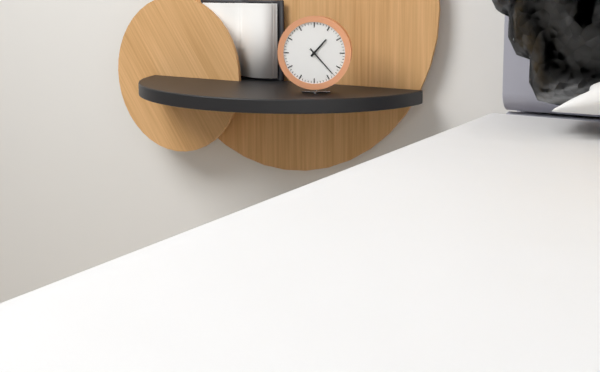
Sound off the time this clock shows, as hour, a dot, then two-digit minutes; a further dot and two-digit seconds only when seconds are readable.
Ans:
1.23
